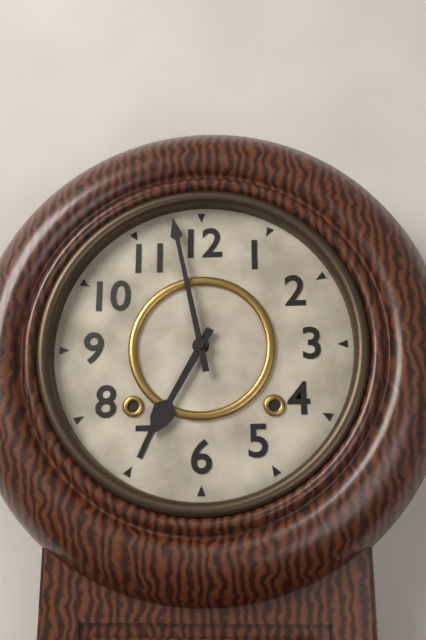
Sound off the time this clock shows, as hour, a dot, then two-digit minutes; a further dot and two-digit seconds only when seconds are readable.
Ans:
6.58
